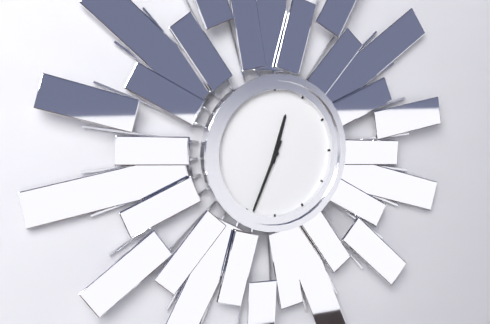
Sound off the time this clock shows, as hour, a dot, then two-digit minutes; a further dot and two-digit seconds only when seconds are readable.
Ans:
12.34
